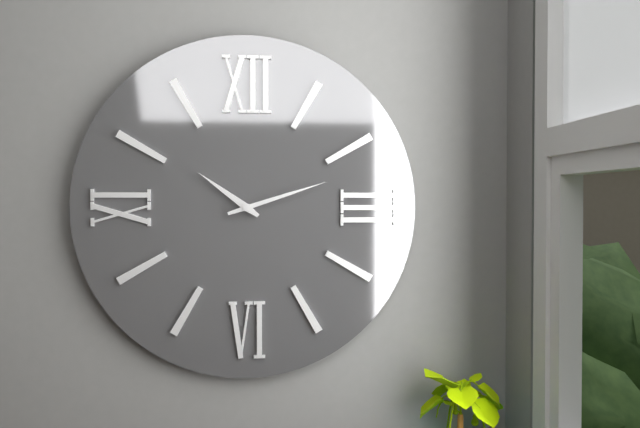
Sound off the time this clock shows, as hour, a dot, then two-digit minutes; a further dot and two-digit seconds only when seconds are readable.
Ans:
10.12
